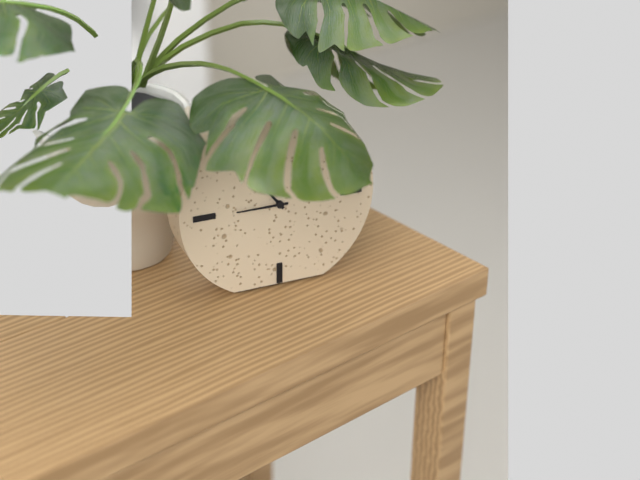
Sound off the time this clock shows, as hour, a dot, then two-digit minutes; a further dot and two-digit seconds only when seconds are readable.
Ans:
10.45
